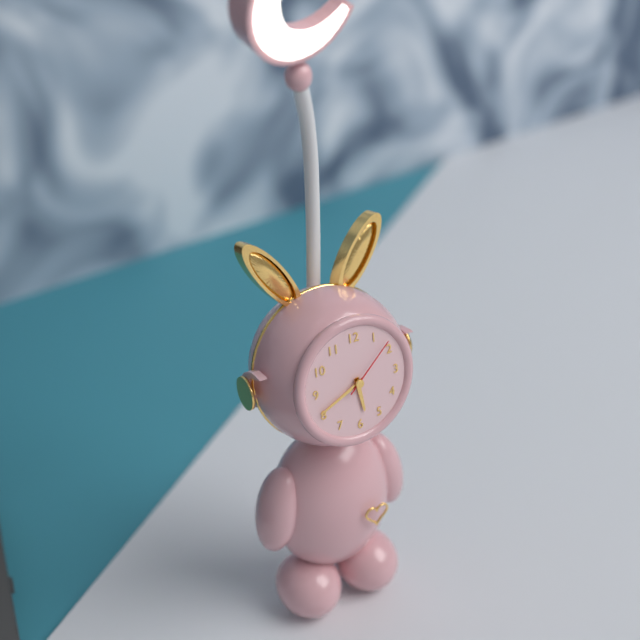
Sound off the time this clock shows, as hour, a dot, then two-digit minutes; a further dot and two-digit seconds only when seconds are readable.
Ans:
5.41.08
